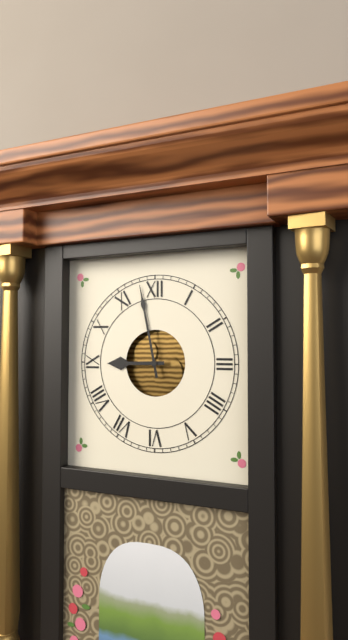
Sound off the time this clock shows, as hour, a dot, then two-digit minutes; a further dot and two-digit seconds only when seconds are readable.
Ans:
8.58
